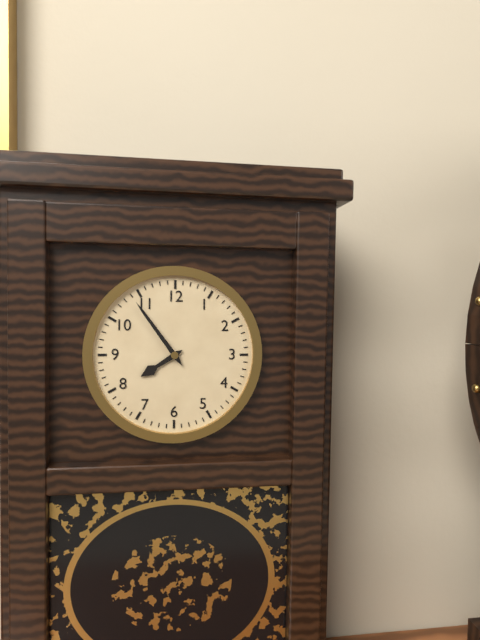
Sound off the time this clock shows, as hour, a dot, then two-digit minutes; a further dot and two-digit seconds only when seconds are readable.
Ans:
7.54
